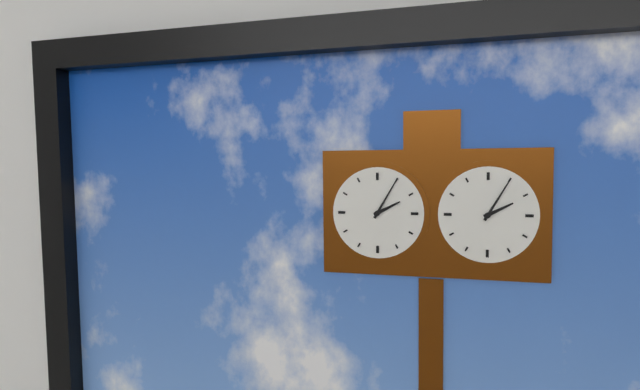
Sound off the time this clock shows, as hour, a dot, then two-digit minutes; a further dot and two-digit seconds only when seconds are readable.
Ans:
2.05
